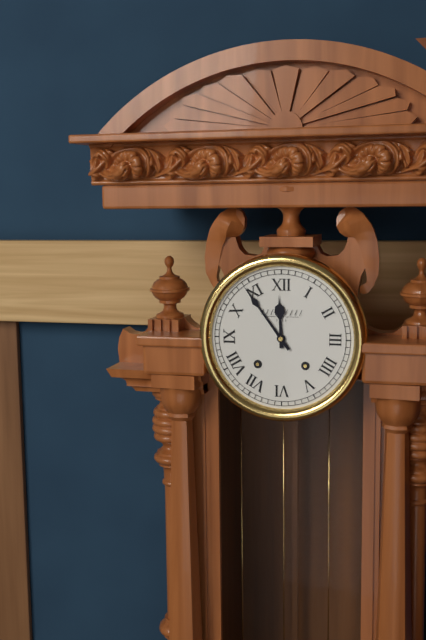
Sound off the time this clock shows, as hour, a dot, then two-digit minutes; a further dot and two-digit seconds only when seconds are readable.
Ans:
11.54
